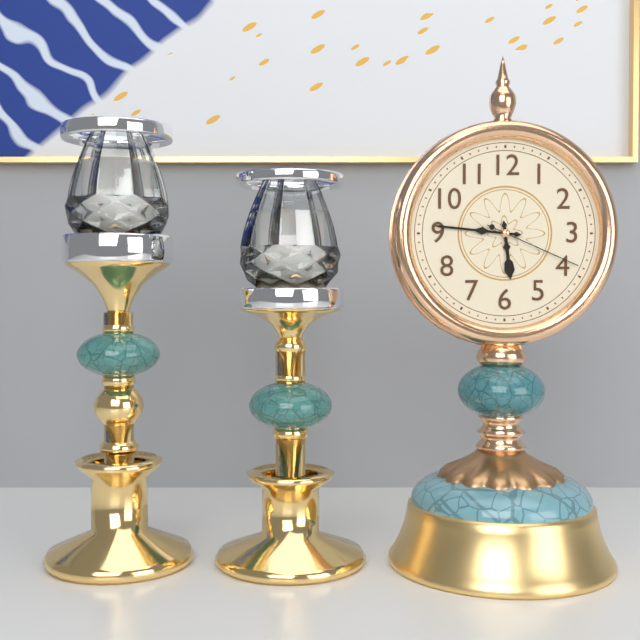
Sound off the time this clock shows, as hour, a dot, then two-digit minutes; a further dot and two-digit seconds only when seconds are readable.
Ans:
5.46.19
